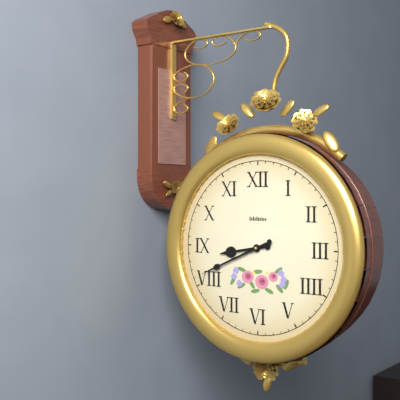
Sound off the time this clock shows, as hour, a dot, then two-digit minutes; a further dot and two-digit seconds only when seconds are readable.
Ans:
8.41
